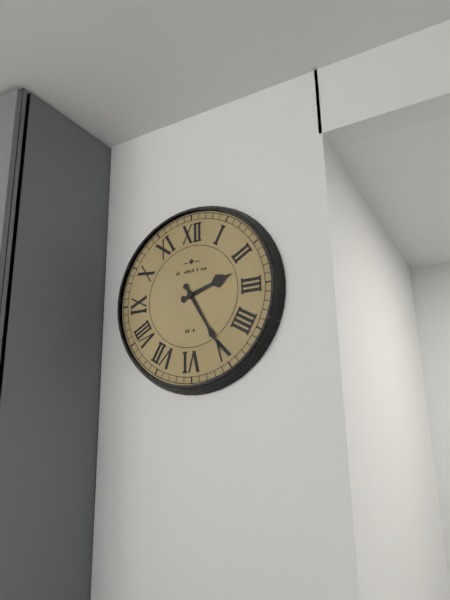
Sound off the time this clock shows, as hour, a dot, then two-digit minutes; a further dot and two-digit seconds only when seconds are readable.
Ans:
2.25
